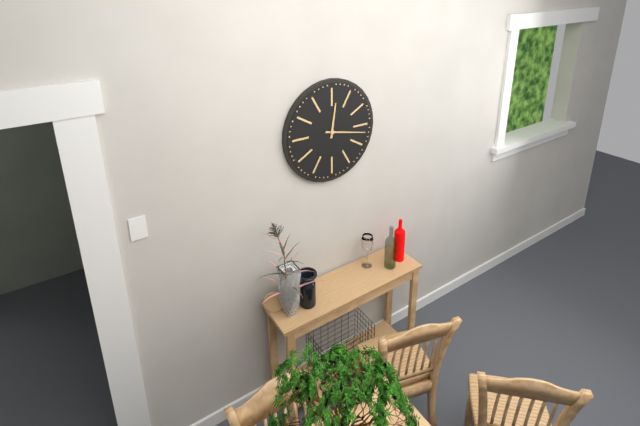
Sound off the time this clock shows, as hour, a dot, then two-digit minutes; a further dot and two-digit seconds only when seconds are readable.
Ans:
12.17
